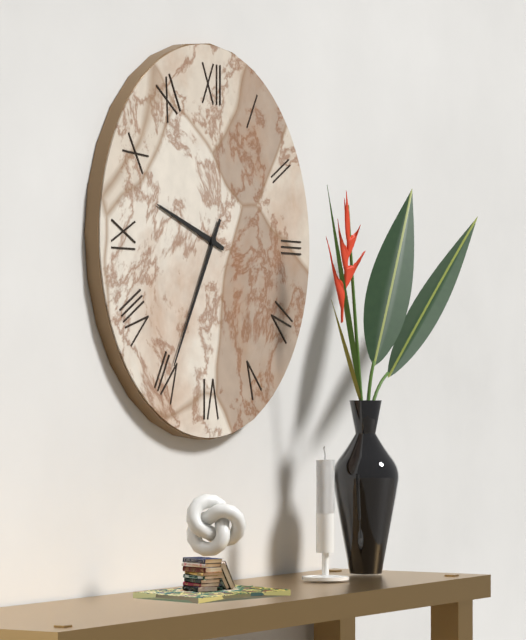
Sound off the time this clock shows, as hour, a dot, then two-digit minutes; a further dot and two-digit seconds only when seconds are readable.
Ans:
9.35
